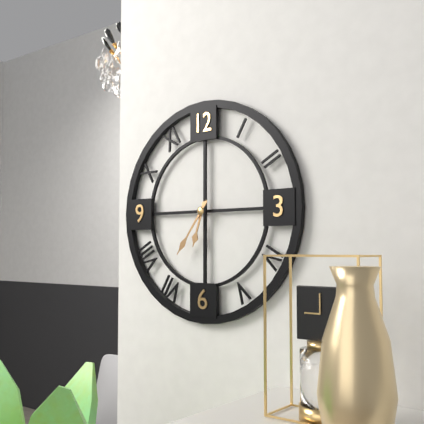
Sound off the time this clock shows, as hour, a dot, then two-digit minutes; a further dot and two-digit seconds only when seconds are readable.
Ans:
6.36
